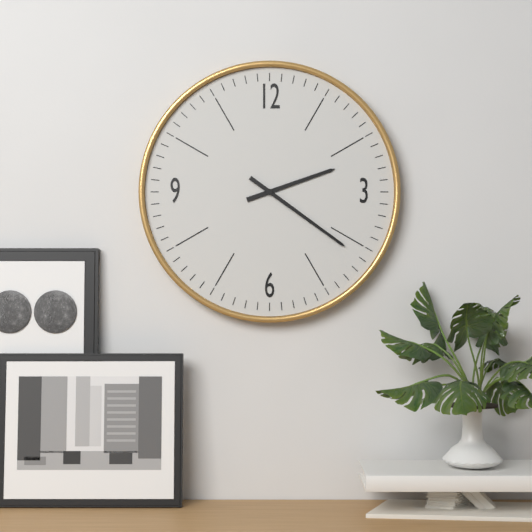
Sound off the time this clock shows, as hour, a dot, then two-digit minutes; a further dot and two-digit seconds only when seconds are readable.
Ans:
2.21
